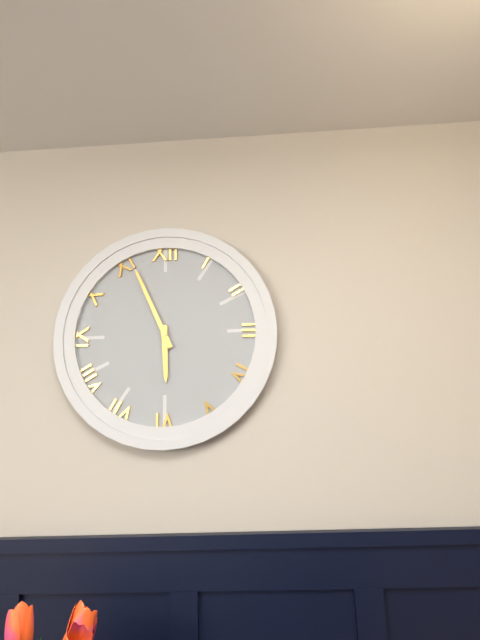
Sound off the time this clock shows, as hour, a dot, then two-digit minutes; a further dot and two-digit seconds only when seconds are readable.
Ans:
5.56
